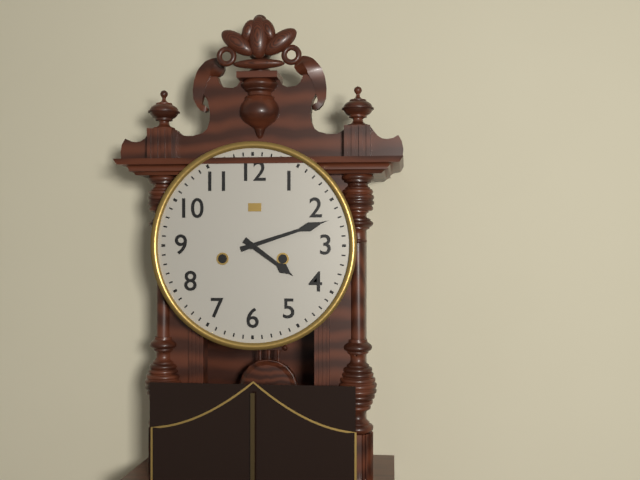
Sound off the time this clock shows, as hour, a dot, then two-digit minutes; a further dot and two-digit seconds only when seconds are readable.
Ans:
4.12
